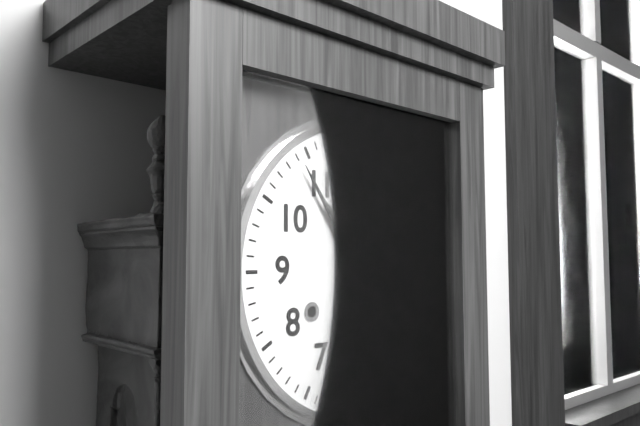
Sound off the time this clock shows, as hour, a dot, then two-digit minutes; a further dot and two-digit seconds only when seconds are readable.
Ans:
10.54
